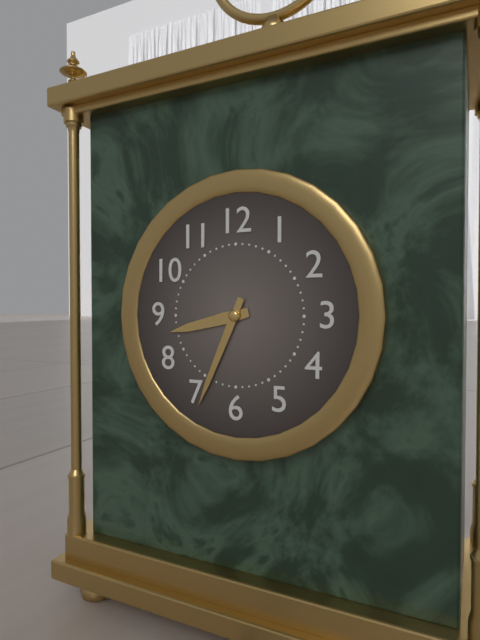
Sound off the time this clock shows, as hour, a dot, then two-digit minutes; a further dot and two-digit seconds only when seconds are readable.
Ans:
8.34
